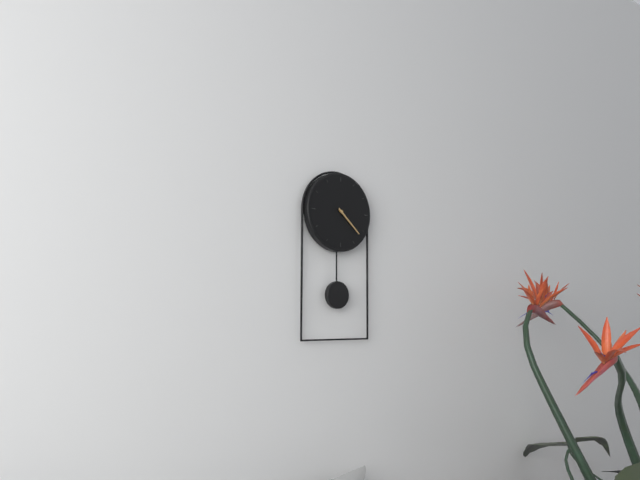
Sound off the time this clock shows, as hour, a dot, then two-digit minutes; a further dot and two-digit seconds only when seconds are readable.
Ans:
4.22
